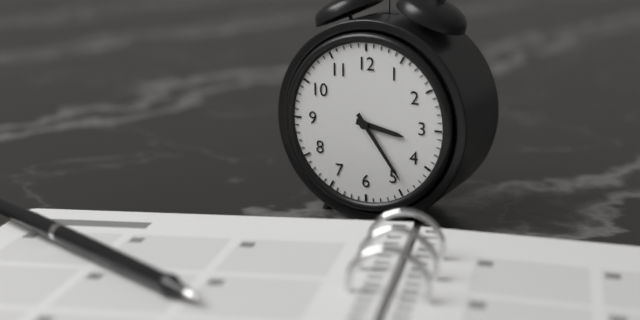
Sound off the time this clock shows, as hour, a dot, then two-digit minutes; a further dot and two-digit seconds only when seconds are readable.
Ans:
3.24
